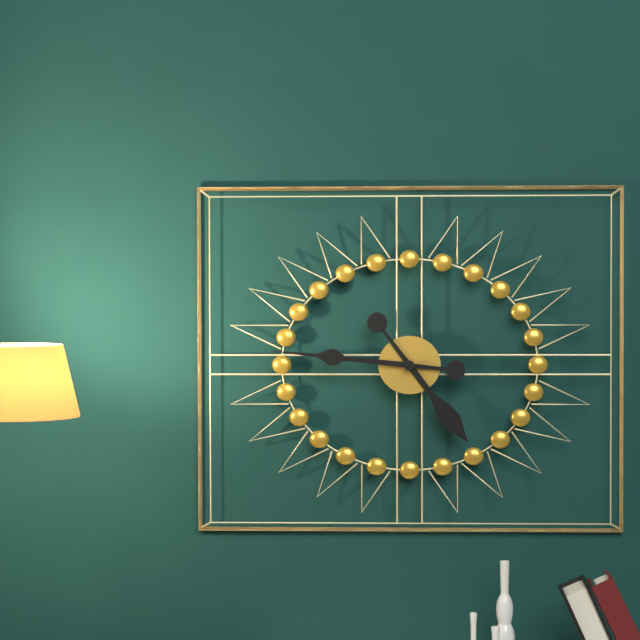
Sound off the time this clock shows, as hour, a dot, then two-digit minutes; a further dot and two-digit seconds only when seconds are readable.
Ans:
4.46
